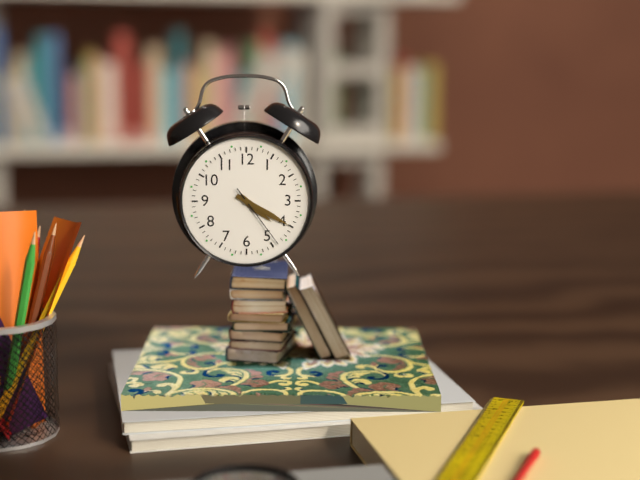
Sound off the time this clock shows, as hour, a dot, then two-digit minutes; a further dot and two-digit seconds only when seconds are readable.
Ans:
4.20.24
